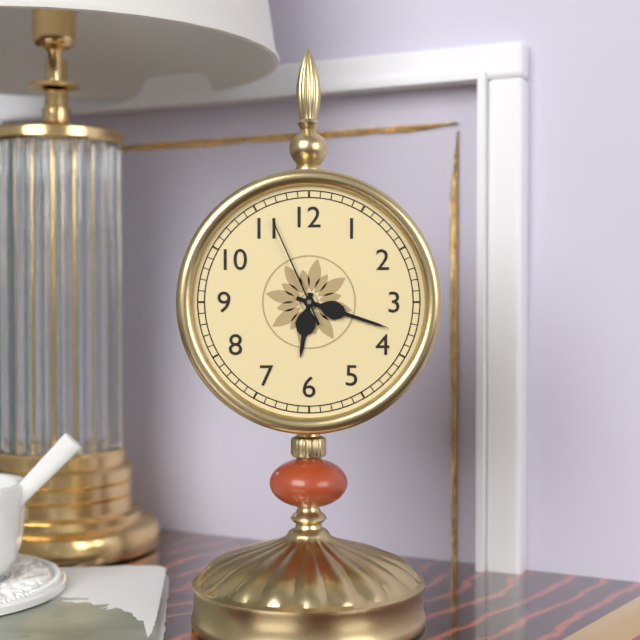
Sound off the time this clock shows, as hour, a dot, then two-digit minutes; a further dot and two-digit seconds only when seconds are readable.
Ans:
6.18.56
